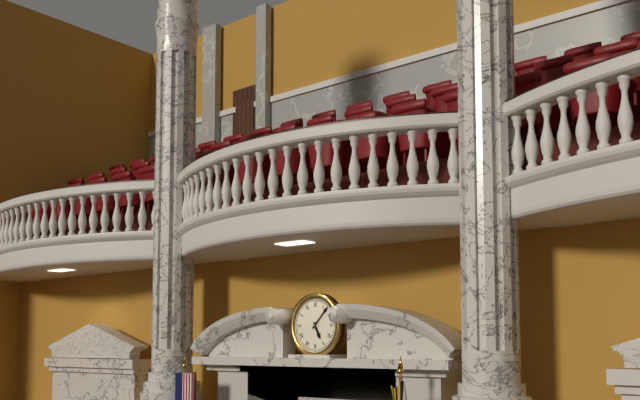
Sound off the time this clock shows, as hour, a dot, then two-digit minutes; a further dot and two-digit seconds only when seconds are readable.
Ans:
5.07
